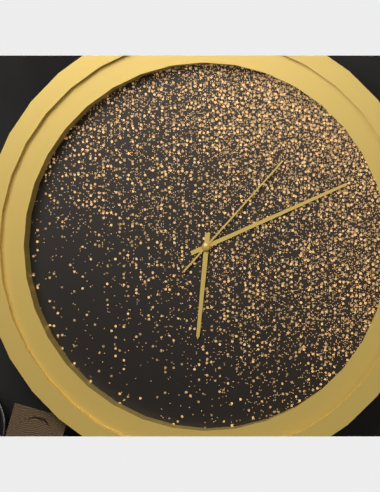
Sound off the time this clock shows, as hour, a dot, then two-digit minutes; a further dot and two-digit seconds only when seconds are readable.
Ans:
6.11.07
